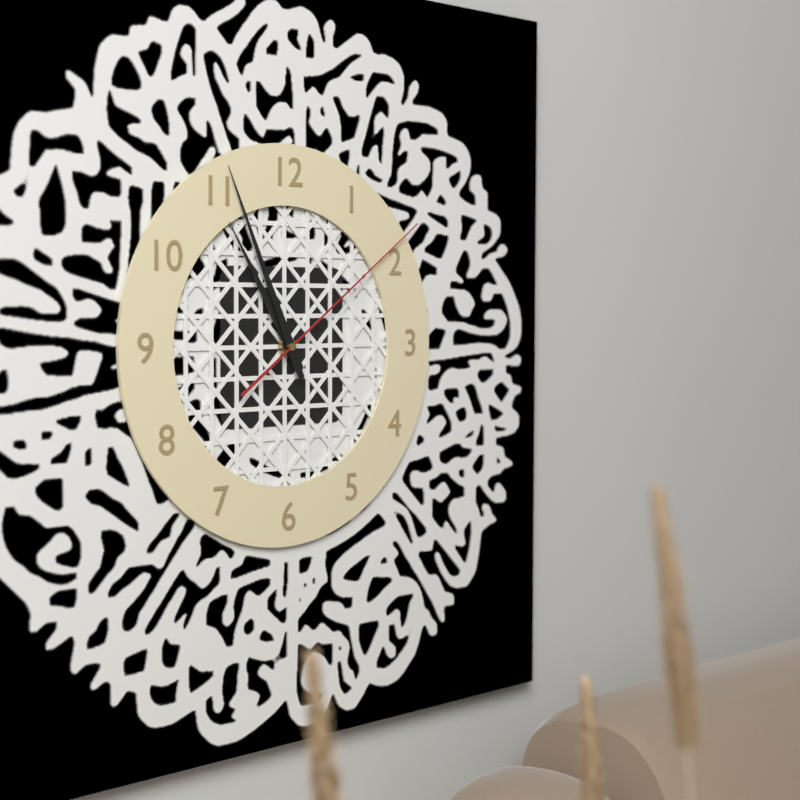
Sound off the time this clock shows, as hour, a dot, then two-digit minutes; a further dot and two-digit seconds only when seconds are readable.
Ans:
10.56.09
